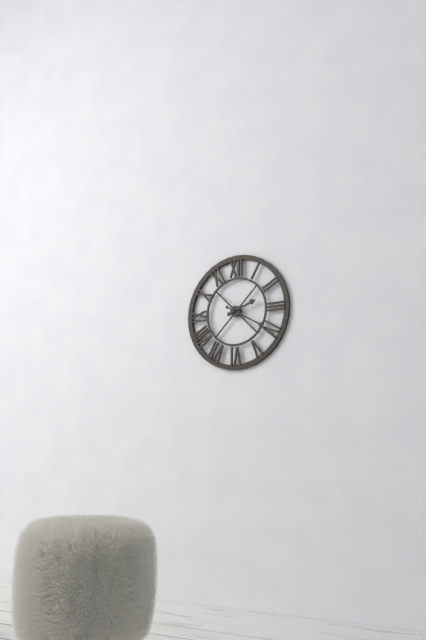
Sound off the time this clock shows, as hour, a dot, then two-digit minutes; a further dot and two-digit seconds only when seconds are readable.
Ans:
2.20
